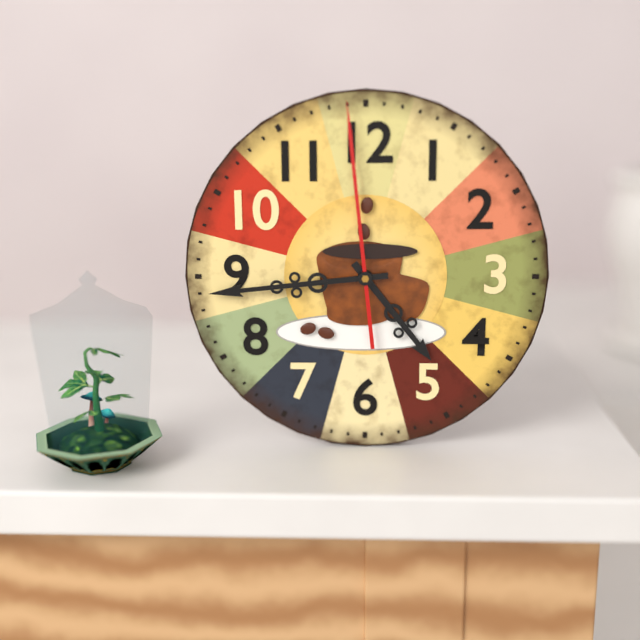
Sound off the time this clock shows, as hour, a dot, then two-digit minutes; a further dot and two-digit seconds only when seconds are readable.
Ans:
4.44.59
